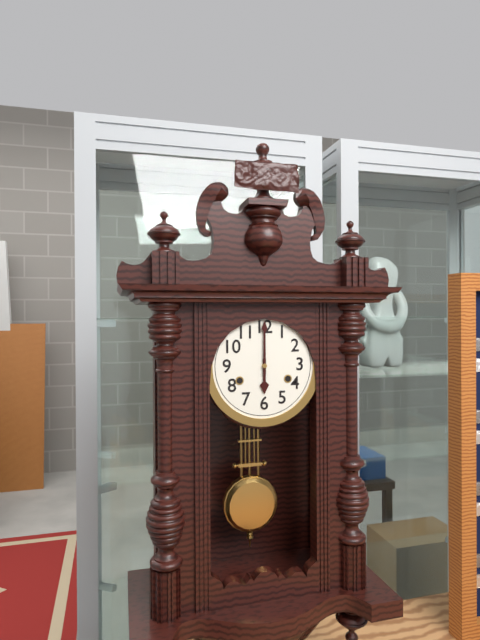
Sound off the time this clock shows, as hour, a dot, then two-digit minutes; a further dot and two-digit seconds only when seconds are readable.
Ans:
6.00
